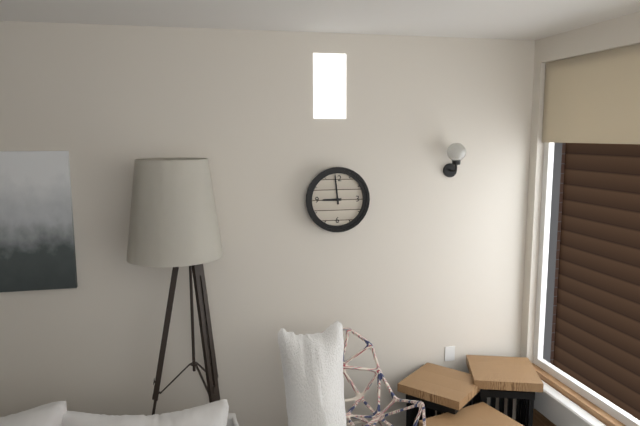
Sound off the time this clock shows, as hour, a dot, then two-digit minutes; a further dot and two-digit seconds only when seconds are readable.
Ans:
8.59
